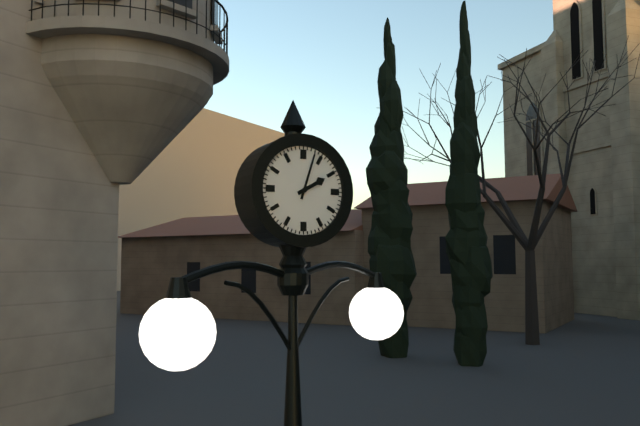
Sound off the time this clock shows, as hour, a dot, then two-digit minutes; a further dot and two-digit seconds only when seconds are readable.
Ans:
2.03
